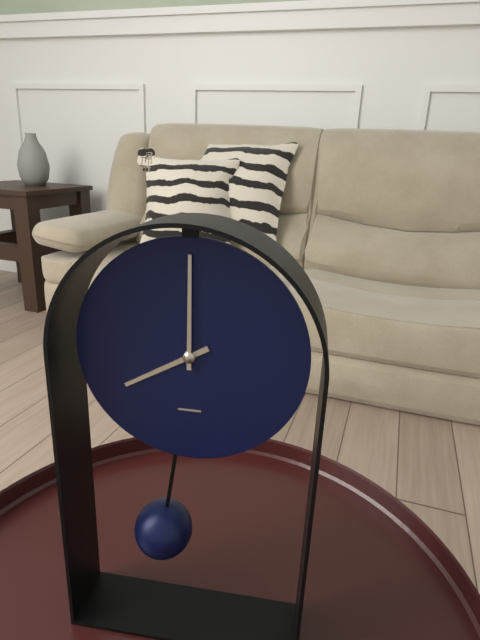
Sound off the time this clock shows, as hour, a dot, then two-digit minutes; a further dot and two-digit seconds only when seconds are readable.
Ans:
8.00
